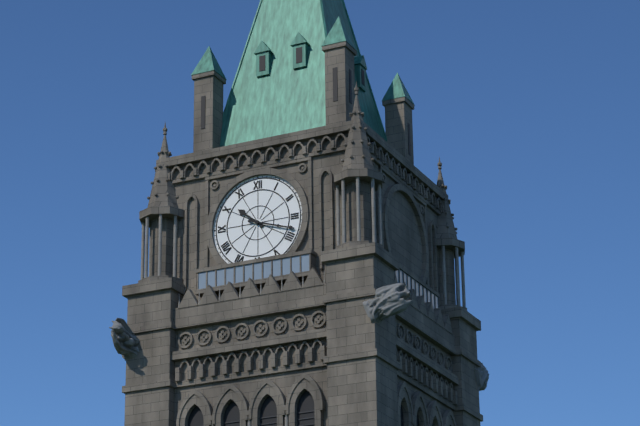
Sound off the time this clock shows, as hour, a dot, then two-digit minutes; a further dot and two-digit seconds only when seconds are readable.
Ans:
10.18
